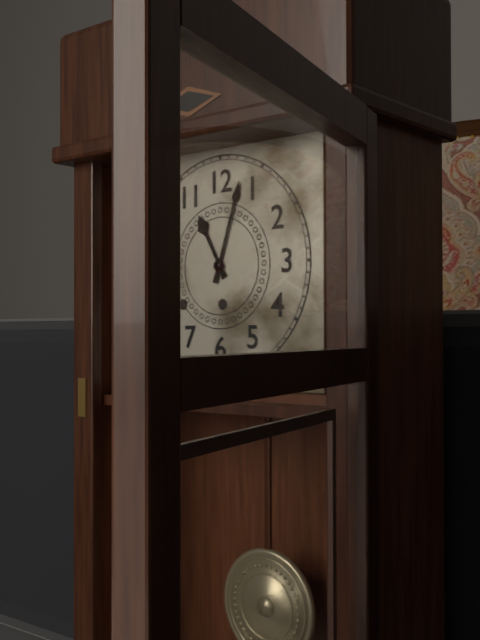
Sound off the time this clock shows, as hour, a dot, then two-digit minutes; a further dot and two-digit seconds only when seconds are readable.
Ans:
11.03
